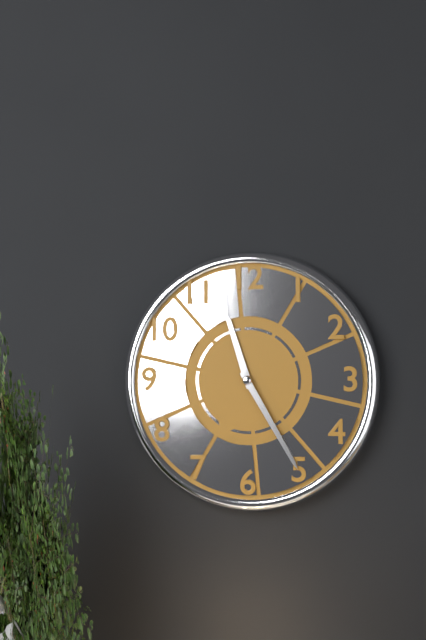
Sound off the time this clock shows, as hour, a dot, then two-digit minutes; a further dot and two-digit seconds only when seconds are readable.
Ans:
11.25
